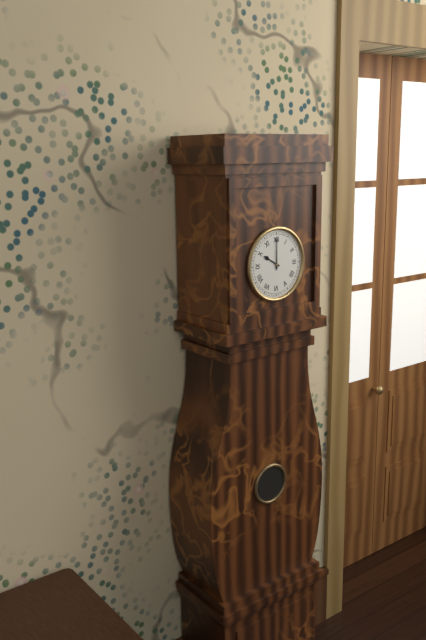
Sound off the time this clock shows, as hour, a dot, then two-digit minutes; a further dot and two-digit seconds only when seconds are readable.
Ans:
10.00
